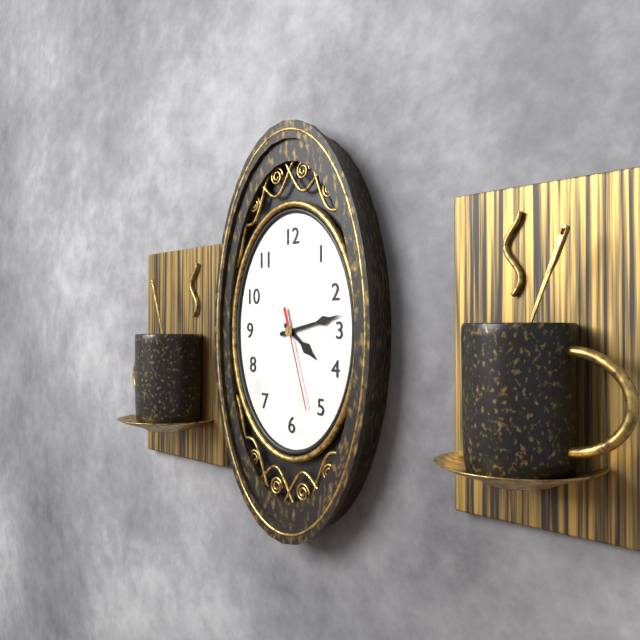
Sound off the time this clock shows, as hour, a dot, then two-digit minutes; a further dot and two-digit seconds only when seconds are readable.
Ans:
4.13.27
